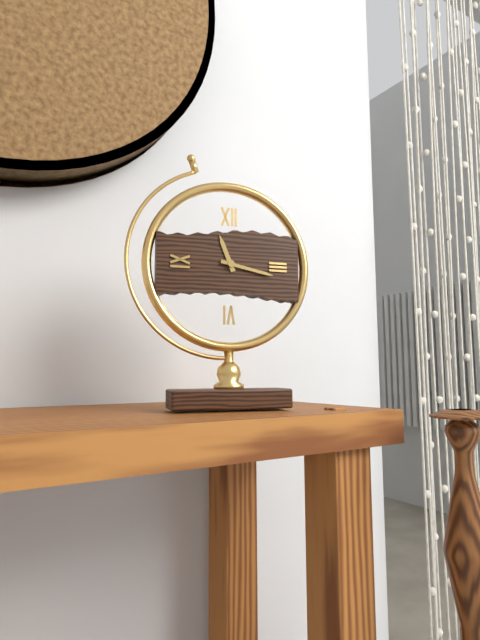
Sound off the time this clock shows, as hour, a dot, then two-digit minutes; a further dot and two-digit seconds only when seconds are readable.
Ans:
11.17
